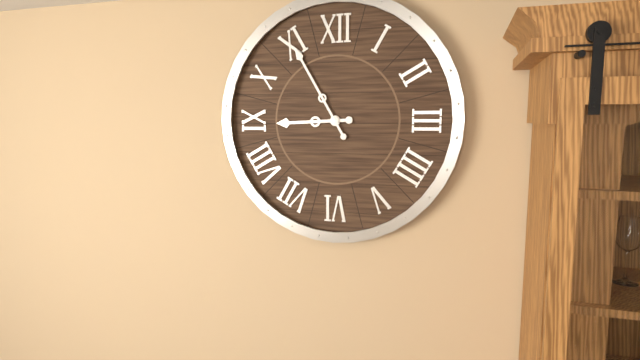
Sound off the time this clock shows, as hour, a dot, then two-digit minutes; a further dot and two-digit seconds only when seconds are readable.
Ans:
8.55
